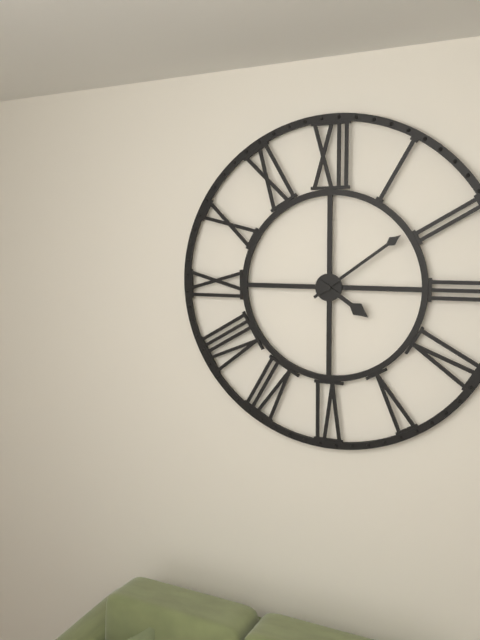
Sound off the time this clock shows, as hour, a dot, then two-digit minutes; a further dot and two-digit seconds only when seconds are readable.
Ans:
4.09
